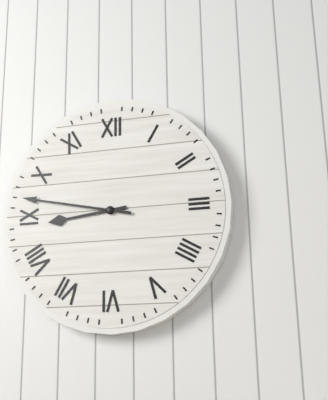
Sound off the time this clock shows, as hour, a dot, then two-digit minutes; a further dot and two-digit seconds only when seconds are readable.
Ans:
8.47
